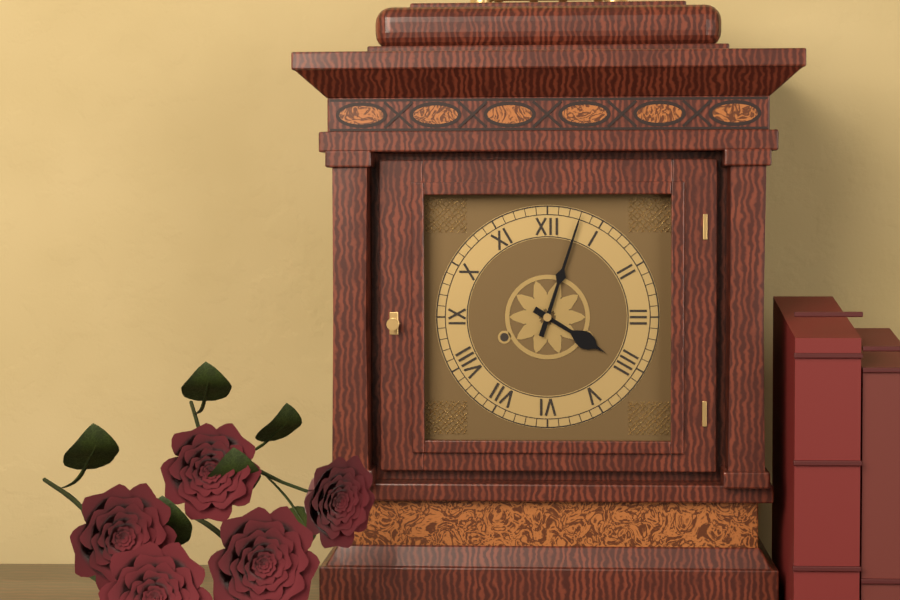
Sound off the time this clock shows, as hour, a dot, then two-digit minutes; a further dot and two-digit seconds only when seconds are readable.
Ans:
4.03
